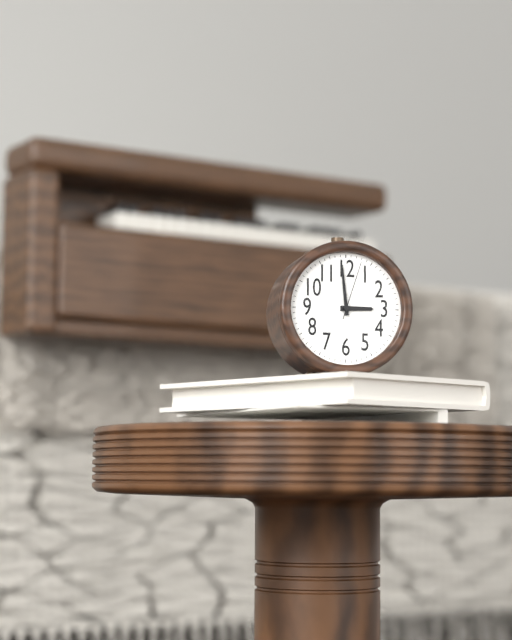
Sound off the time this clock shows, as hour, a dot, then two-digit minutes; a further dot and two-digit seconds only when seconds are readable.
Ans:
2.59.03
